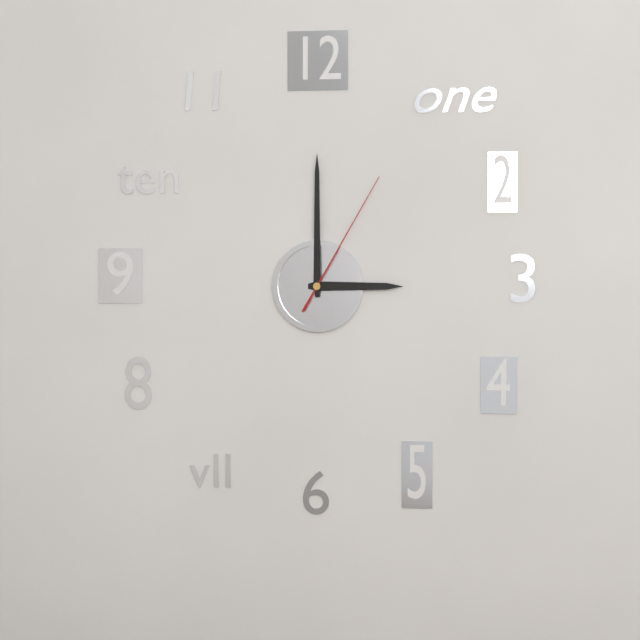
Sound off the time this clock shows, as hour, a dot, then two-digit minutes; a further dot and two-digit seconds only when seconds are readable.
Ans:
3.00.05
